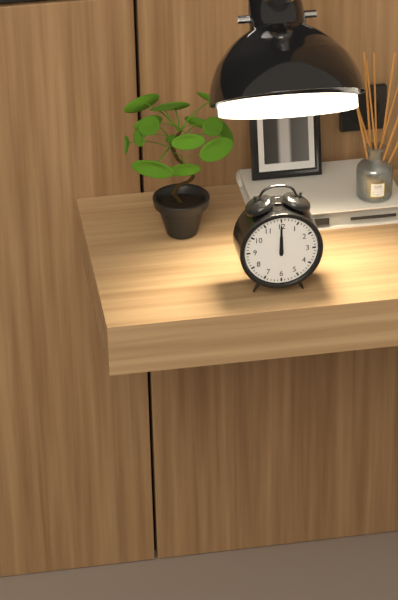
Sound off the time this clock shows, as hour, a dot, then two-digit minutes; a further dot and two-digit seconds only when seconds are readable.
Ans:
12.00
